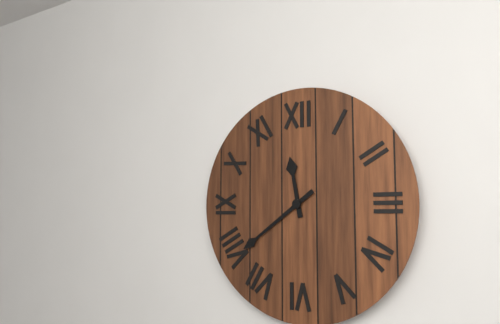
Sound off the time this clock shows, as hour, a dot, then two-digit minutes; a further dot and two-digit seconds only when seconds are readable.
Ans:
11.39
